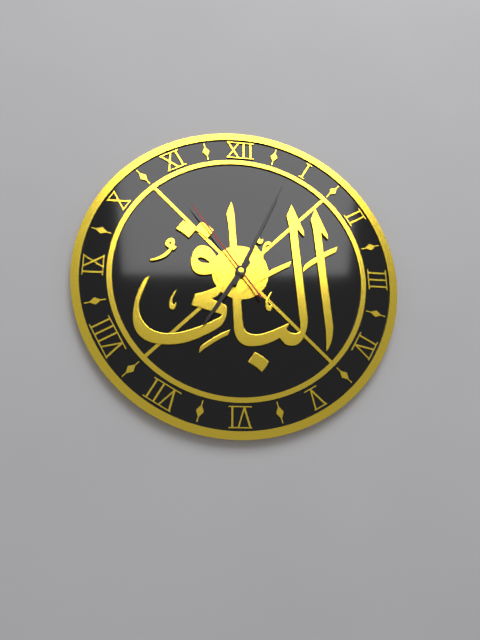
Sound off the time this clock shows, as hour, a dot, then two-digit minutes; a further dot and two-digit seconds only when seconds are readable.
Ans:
7.04.54
